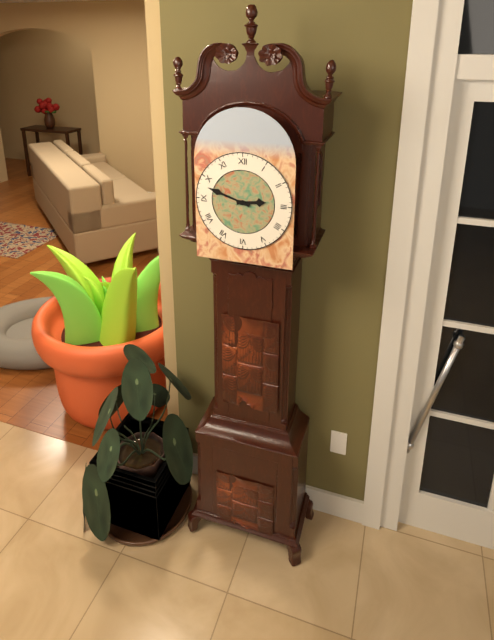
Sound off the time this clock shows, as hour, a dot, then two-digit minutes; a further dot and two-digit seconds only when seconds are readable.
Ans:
2.48
